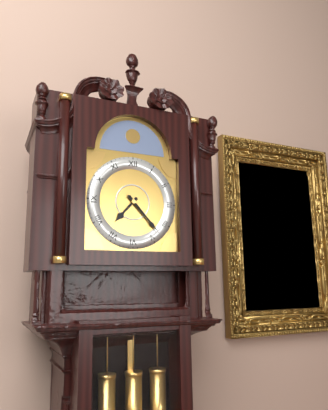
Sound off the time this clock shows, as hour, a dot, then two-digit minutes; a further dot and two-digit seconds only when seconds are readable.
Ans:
7.23
